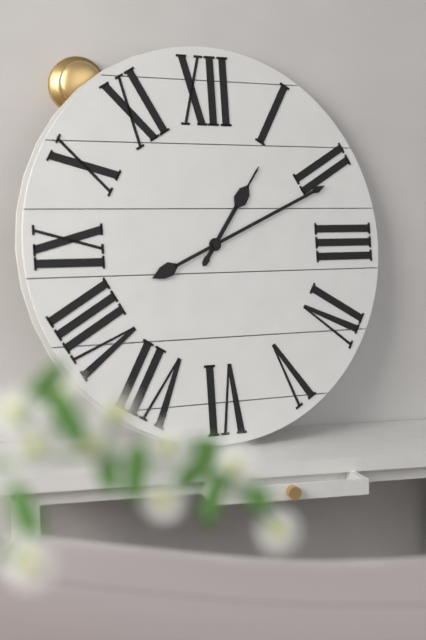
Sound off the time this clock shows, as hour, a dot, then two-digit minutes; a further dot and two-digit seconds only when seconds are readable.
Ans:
1.11
